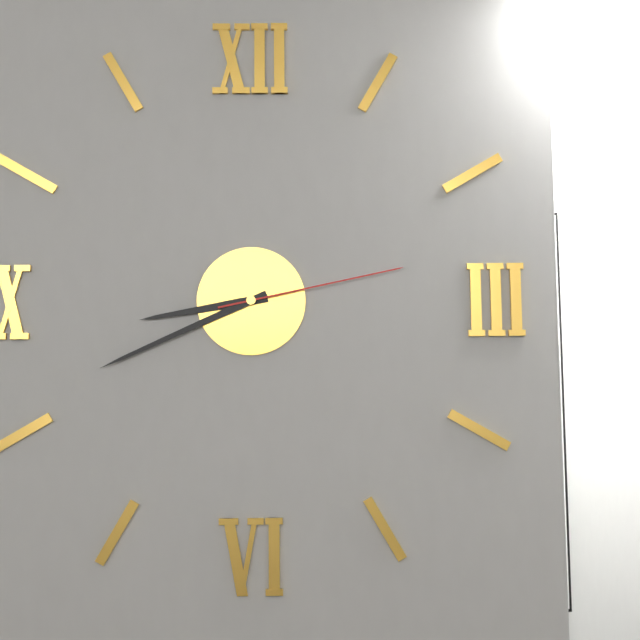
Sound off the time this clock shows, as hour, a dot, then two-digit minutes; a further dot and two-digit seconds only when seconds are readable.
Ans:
8.41.13
